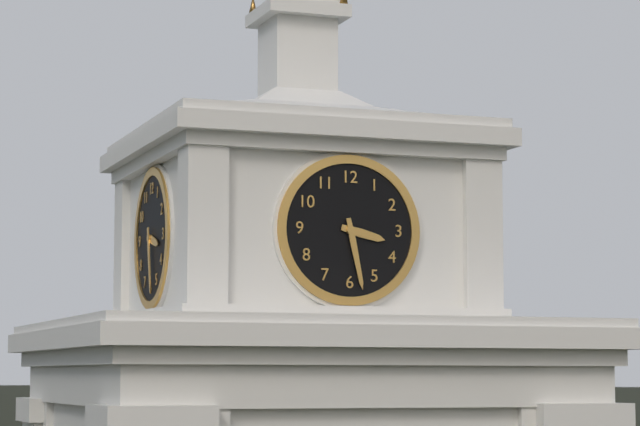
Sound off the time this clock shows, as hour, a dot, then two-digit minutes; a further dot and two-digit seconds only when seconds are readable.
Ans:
3.28
